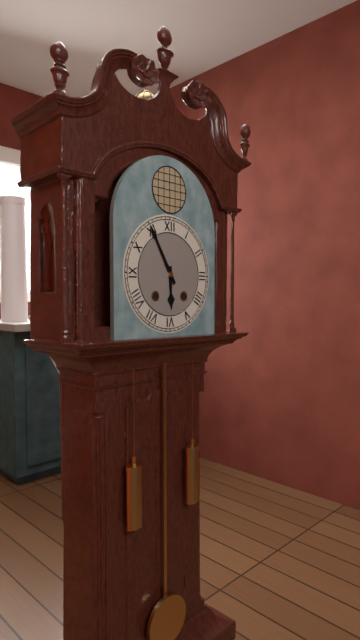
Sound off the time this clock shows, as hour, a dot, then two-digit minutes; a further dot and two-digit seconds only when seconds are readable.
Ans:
5.55
